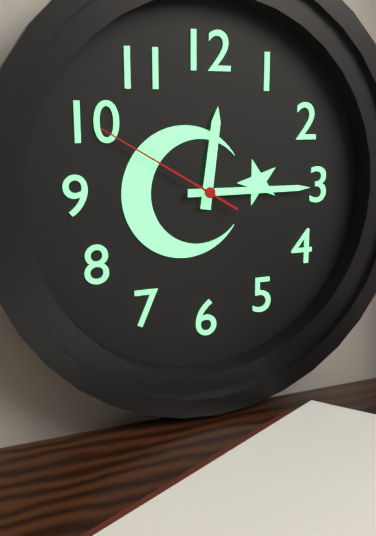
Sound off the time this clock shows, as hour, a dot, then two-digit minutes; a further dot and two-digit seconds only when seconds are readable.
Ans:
12.15.50
